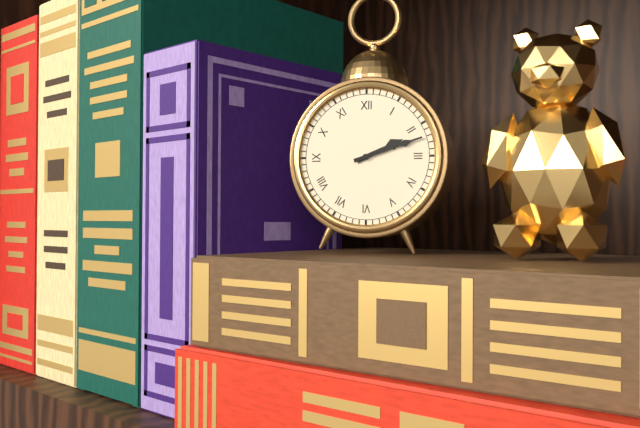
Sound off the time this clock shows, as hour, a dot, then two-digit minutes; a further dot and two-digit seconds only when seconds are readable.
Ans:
2.12
